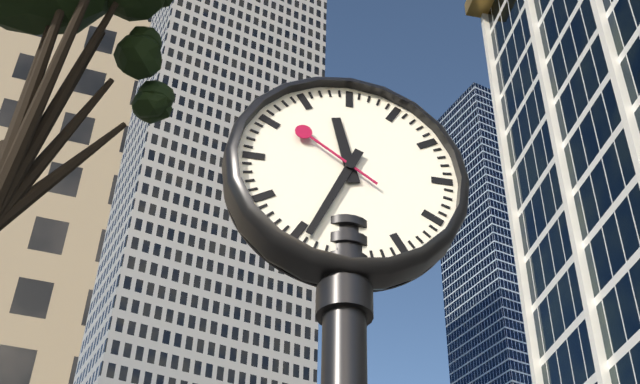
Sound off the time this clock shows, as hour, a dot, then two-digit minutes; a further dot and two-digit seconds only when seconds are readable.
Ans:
11.34.51
